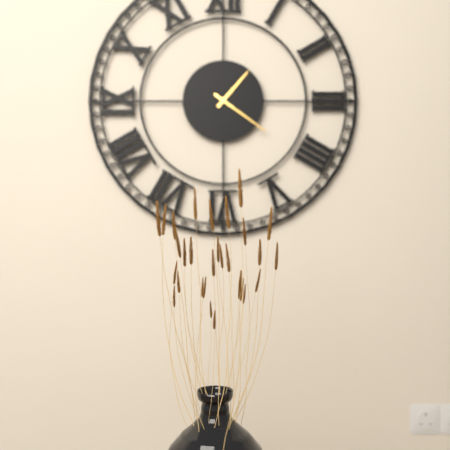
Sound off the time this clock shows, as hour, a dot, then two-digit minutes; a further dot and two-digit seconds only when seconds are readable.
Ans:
1.21
